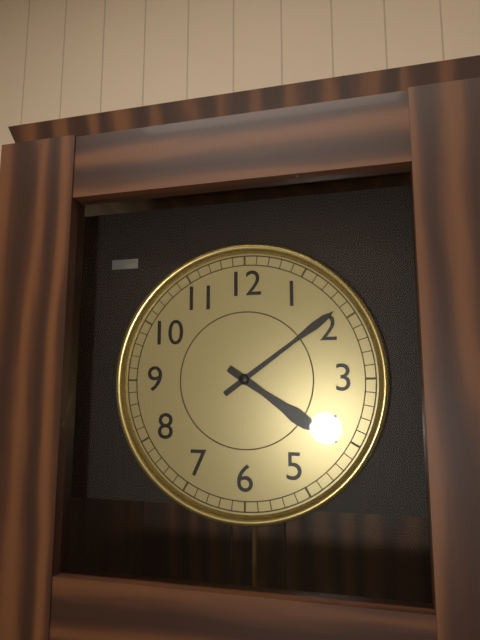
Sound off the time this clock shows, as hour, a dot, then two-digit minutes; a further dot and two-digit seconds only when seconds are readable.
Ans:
4.09
